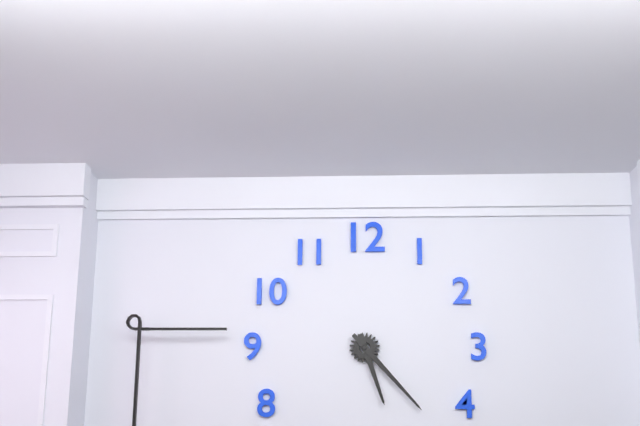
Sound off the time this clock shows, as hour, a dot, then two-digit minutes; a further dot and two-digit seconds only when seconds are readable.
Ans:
5.23
